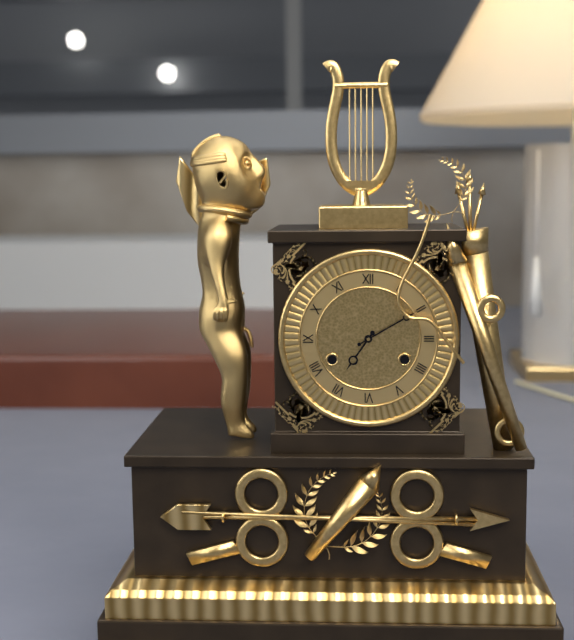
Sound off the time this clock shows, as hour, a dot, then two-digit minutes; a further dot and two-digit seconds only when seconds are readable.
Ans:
7.10
